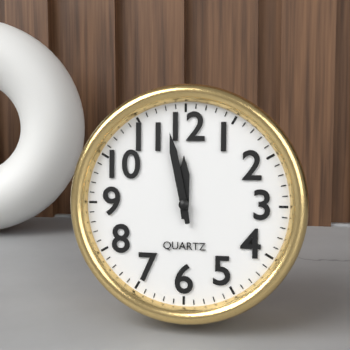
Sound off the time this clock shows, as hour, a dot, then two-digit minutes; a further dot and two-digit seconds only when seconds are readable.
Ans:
11.58
